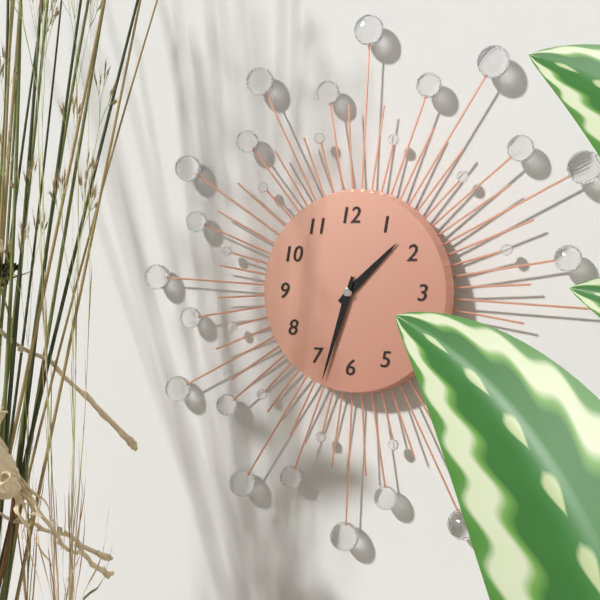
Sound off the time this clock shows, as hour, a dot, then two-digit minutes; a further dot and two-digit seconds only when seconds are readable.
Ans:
1.33
